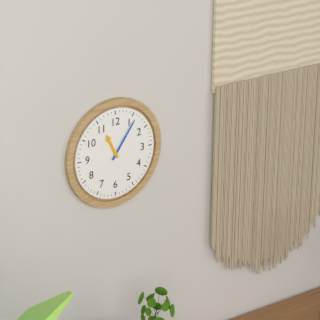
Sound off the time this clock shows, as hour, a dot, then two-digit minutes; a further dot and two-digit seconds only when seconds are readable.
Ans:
11.06
